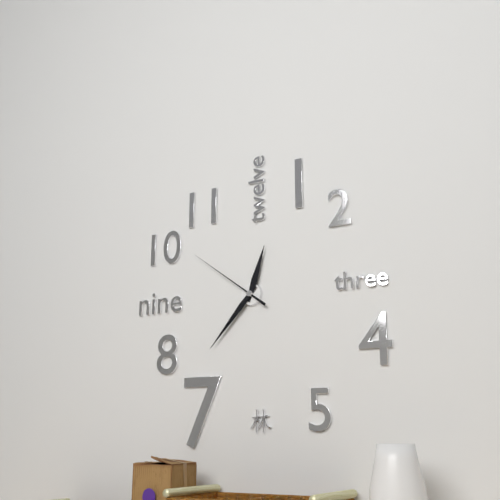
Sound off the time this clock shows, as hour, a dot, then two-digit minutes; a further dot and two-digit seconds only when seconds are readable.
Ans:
12.37.51
